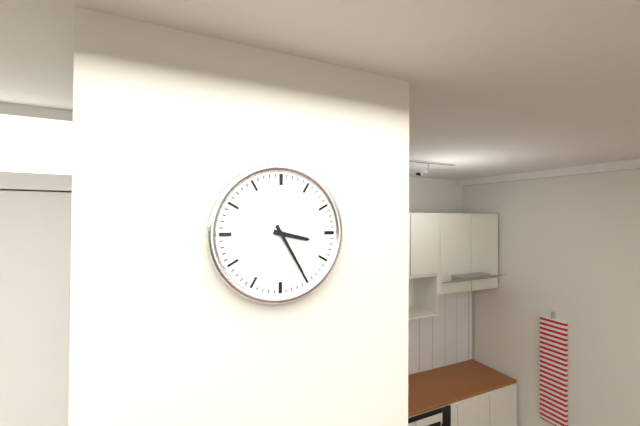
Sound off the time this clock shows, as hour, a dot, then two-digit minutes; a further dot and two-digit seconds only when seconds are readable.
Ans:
3.25
